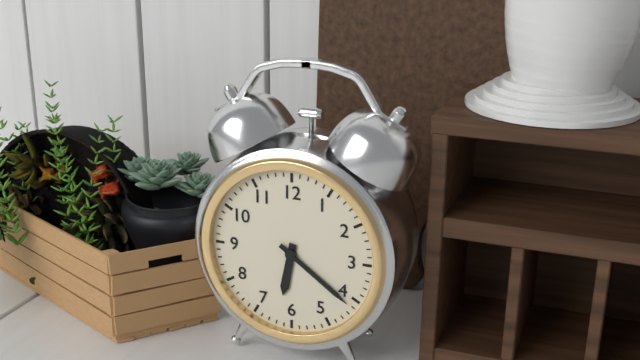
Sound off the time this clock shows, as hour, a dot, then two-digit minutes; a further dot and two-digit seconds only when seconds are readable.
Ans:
6.21
